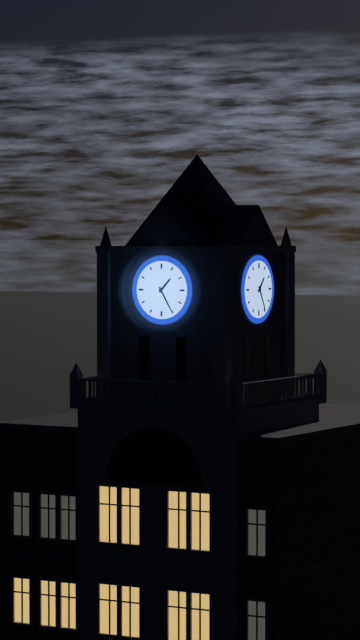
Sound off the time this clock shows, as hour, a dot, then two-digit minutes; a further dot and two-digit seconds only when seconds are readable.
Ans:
1.25
